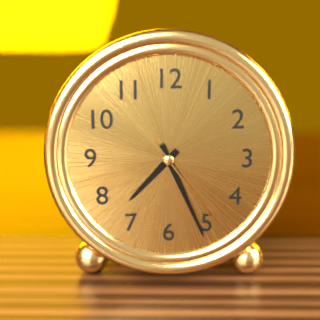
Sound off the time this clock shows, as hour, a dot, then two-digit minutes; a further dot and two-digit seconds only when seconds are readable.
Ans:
7.26.24
